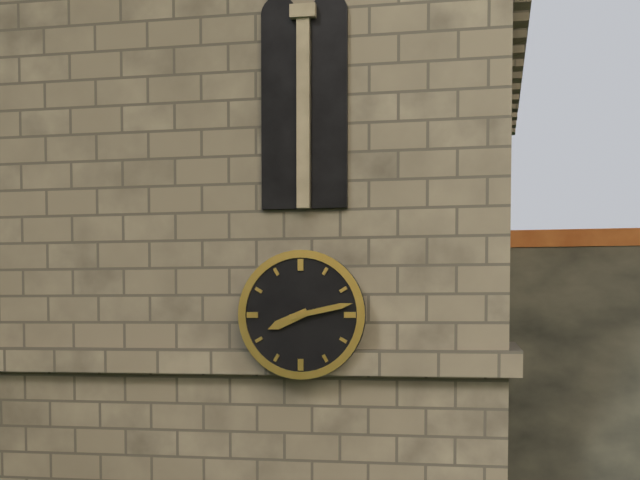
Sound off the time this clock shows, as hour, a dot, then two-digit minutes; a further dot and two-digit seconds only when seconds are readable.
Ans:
8.13
